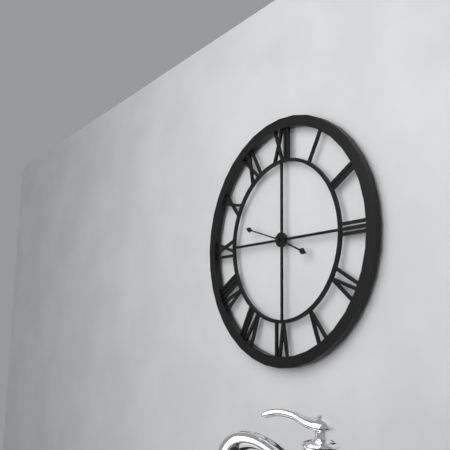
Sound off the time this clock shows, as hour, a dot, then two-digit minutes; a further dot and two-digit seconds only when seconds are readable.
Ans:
3.48
